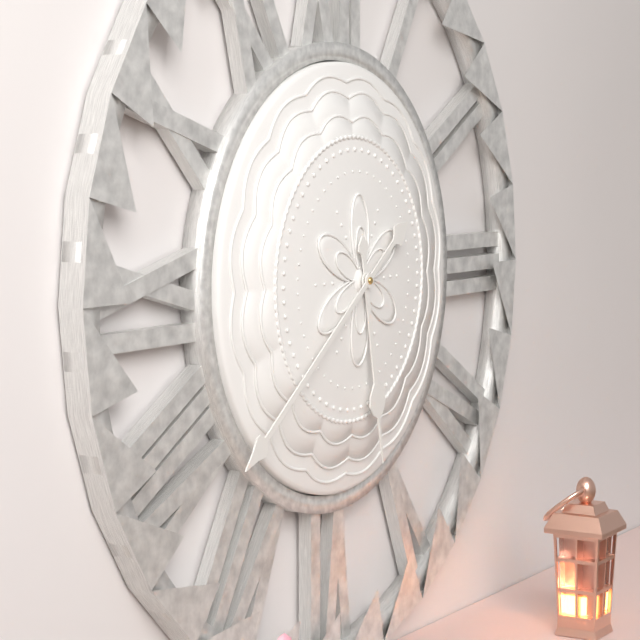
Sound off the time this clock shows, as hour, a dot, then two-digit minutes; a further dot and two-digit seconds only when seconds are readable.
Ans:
5.39
